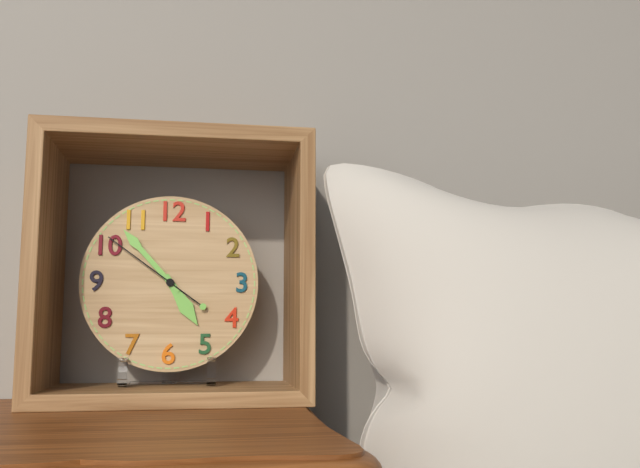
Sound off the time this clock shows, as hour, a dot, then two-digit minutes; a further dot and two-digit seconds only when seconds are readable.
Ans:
4.53.51
